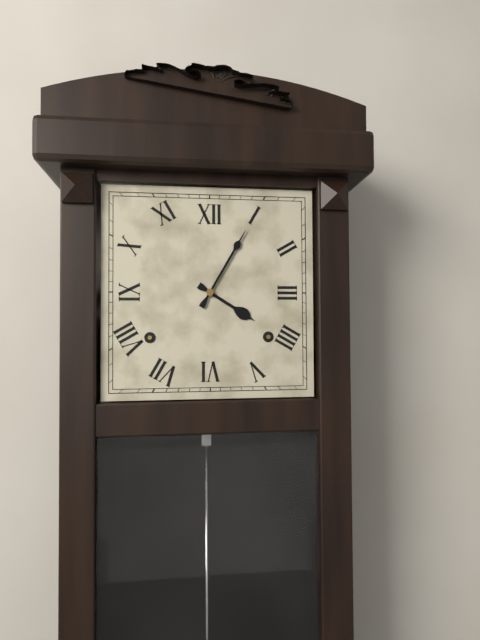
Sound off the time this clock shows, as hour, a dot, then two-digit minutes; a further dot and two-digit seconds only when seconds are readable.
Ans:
4.05
